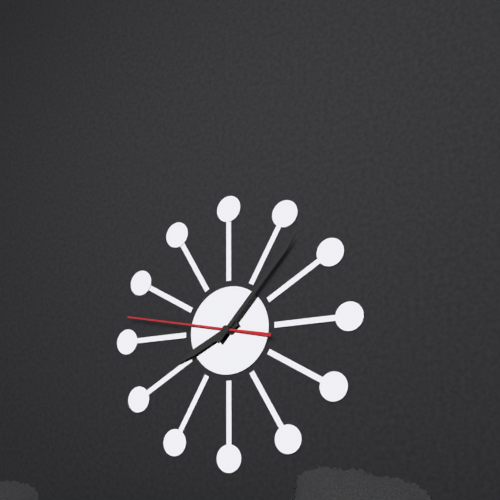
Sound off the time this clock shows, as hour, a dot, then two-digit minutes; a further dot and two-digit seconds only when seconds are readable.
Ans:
8.07.47
